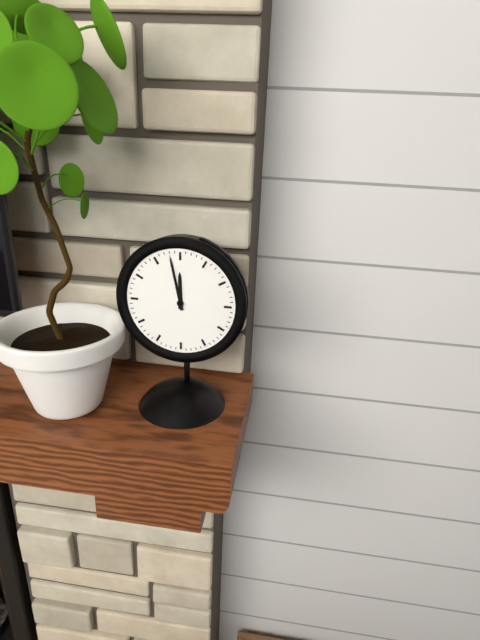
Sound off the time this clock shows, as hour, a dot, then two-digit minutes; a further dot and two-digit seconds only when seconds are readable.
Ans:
11.58
